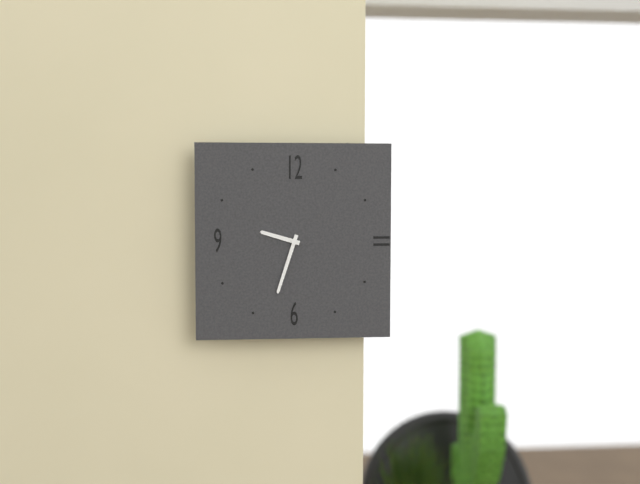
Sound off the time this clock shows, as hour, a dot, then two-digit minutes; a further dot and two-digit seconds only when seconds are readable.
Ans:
9.33
